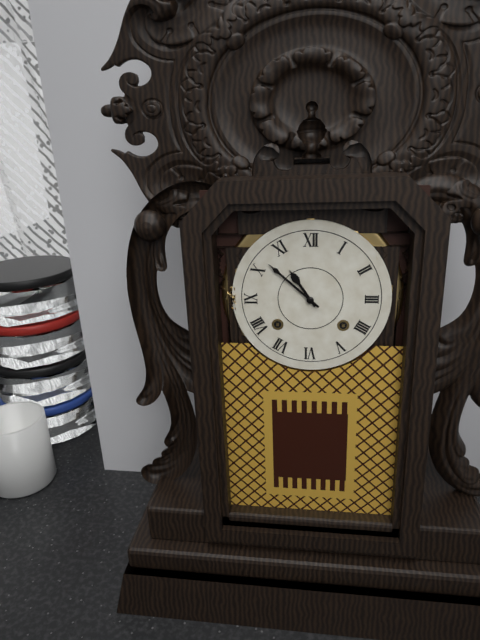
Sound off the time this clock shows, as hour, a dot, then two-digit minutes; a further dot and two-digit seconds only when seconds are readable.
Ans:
10.52
